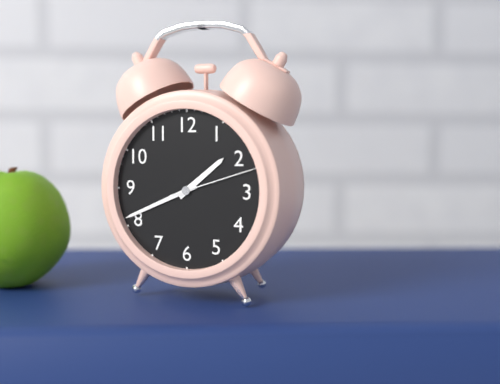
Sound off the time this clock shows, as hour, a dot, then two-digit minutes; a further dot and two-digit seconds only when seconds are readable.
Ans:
1.41.12
